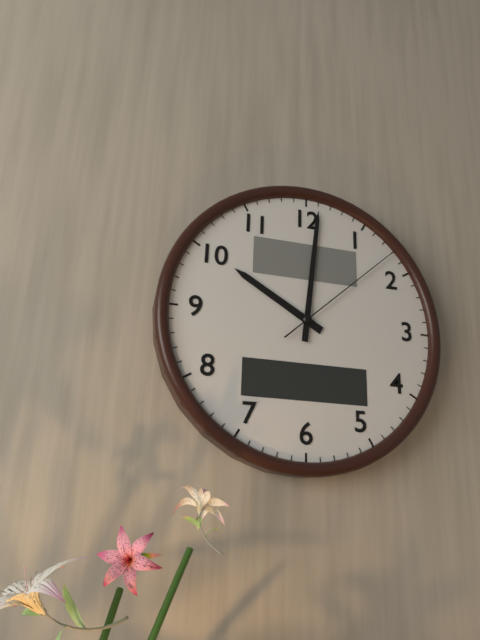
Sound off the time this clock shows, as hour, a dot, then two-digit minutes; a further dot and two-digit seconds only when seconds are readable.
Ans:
10.01.08
